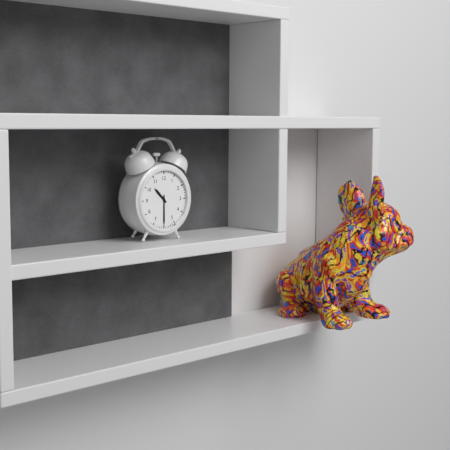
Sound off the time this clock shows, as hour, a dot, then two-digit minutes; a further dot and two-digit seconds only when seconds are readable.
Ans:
10.30
